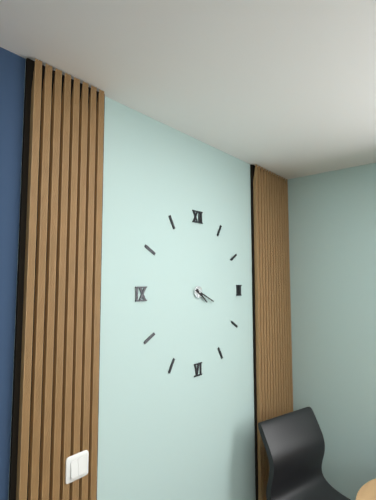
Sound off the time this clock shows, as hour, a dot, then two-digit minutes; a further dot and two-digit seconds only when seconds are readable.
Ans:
4.19
